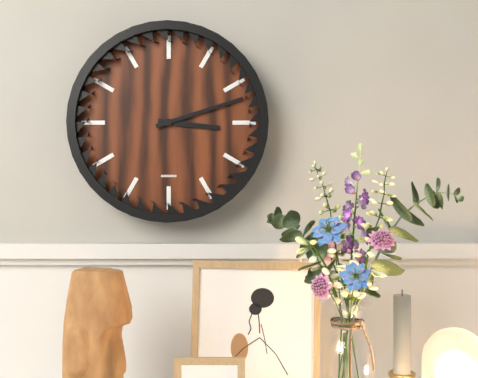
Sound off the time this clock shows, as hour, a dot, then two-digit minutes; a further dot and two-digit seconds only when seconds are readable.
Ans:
3.12
